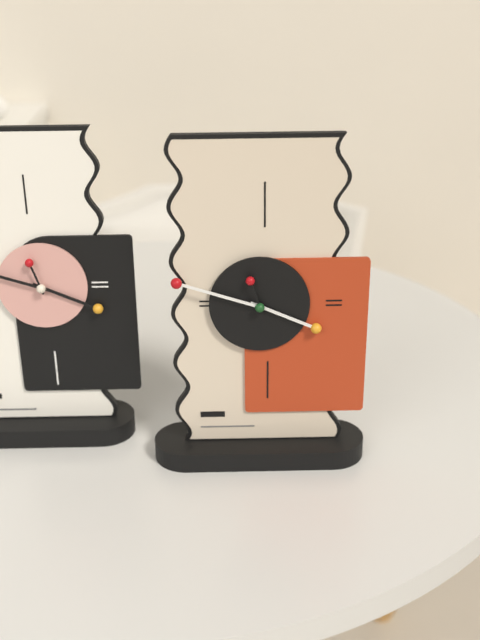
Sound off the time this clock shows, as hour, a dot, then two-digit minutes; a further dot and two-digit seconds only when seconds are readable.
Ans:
3.48
